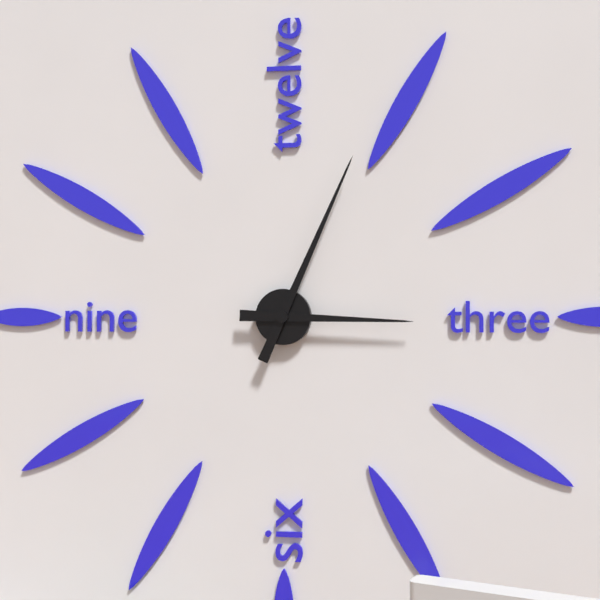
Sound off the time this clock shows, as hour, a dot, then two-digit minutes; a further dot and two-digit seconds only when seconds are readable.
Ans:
3.04
